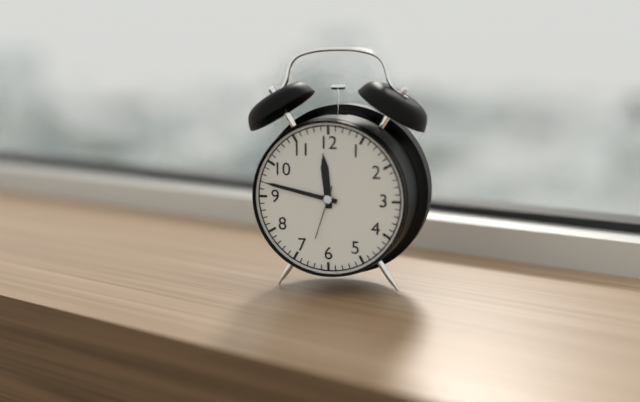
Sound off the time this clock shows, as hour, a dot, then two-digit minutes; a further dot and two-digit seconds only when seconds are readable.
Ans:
11.47.33
